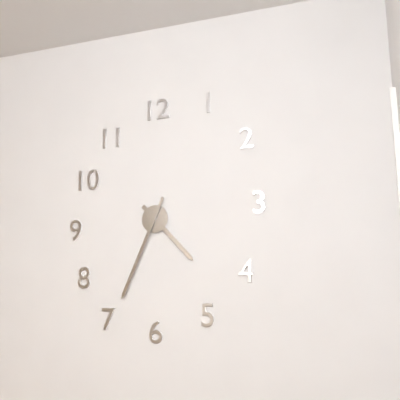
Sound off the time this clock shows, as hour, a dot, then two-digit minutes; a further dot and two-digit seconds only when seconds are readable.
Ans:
4.34
